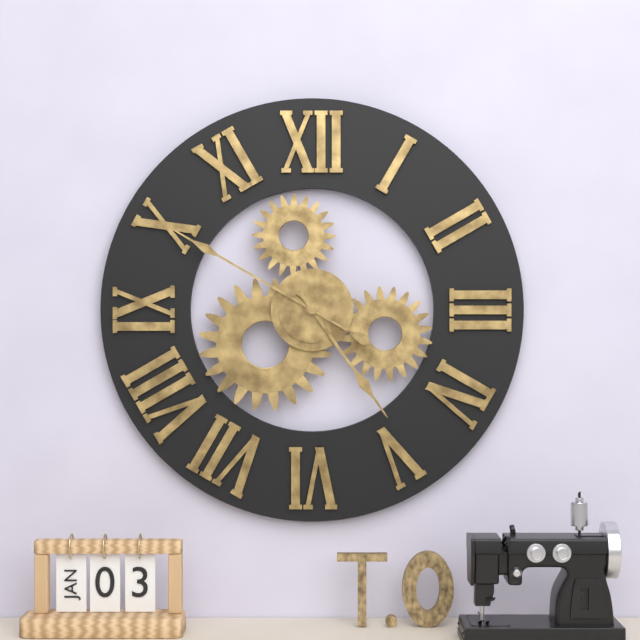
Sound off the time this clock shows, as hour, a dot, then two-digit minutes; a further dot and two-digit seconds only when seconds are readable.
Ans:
4.50
